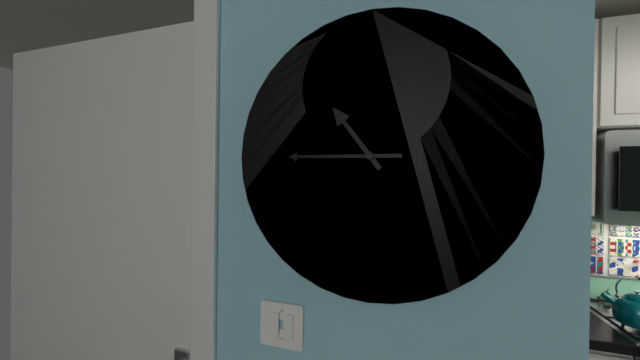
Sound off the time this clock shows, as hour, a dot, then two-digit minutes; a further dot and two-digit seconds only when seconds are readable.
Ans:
10.45
